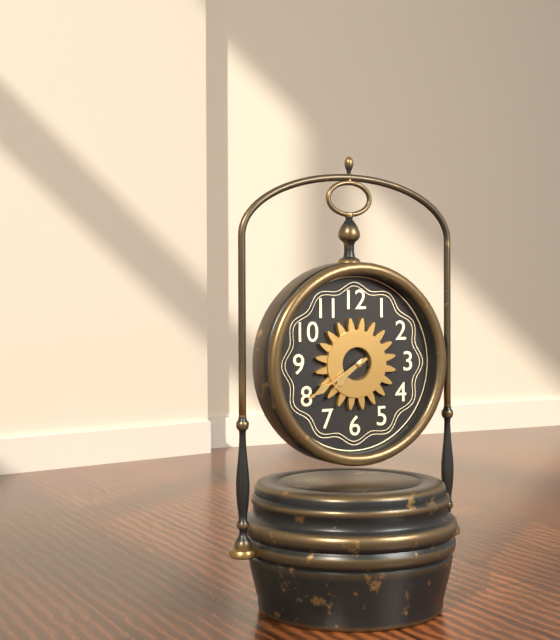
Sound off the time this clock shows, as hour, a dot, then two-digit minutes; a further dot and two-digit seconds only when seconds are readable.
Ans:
7.40
